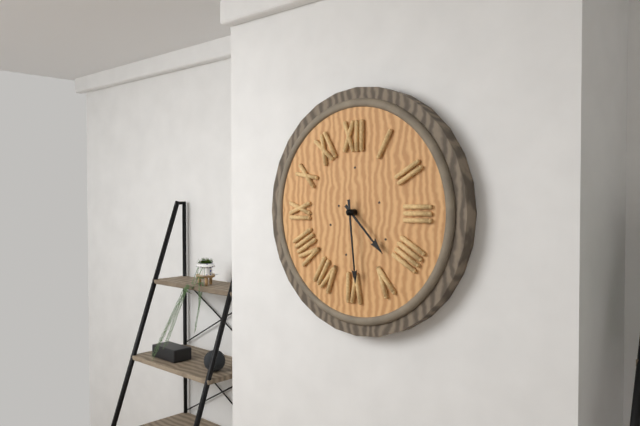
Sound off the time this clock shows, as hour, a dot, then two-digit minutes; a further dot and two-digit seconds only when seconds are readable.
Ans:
4.29
